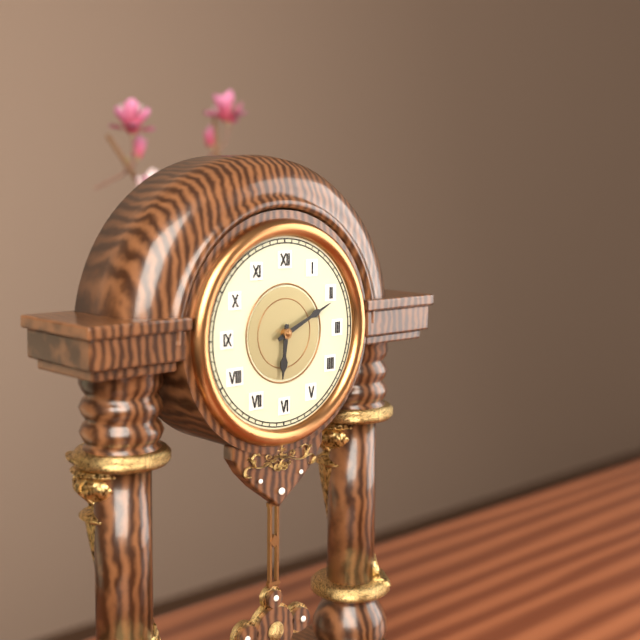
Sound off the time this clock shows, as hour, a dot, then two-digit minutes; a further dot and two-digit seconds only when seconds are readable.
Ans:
6.11
